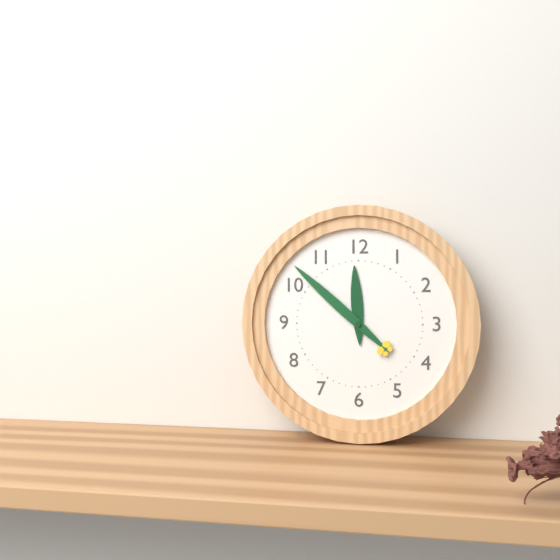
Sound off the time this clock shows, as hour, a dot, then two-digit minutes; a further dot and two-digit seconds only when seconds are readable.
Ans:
11.52
